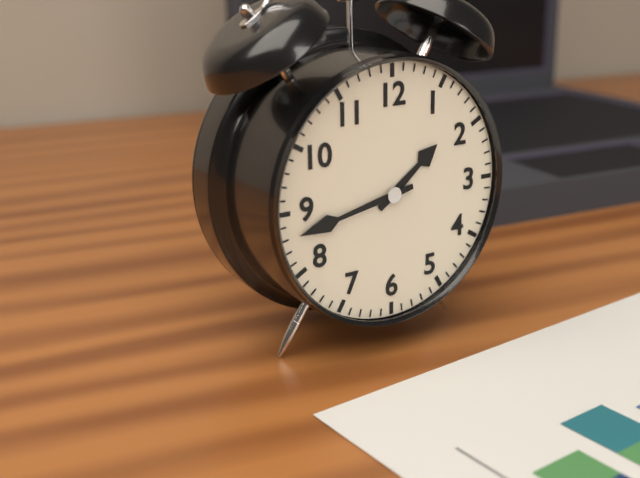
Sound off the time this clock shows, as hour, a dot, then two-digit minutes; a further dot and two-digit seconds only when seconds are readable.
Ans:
1.43
